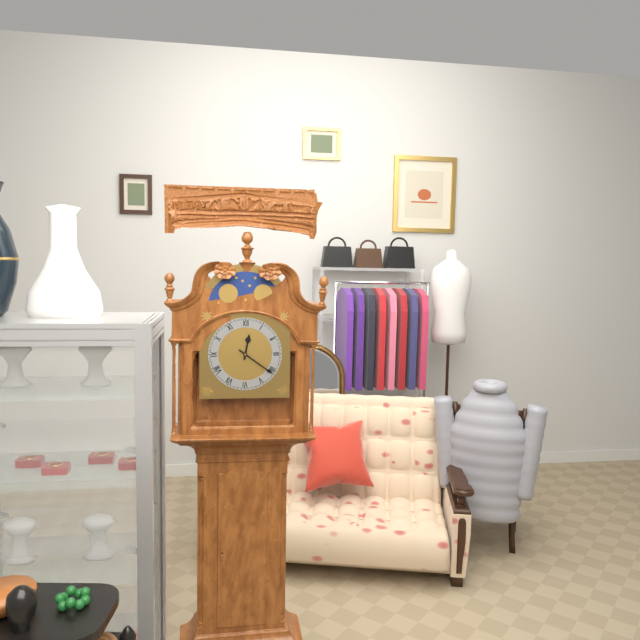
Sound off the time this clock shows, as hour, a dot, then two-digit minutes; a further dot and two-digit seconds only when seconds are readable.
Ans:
12.21
